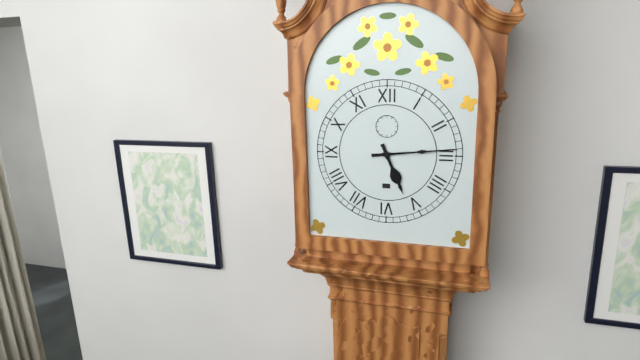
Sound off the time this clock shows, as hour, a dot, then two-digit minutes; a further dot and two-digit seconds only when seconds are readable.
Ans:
5.14
